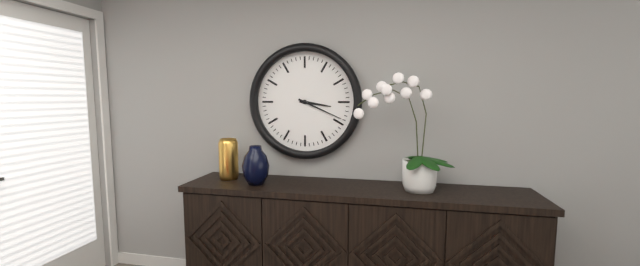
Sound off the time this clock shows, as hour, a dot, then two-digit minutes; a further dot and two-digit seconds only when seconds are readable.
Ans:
3.19
